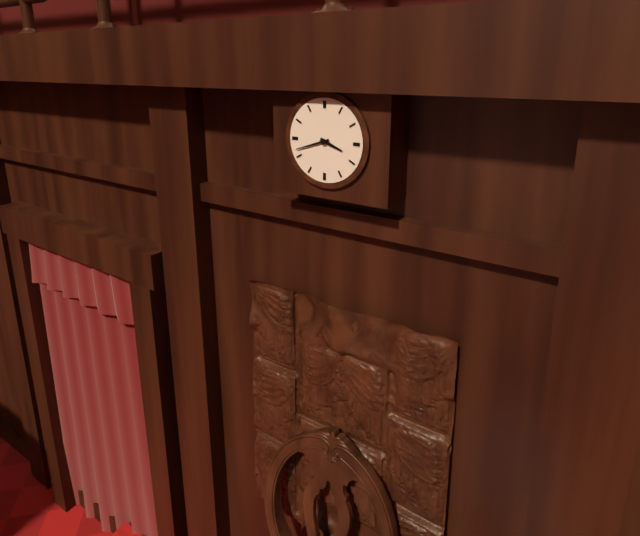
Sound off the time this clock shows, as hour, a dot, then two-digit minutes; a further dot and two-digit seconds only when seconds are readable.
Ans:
3.42
